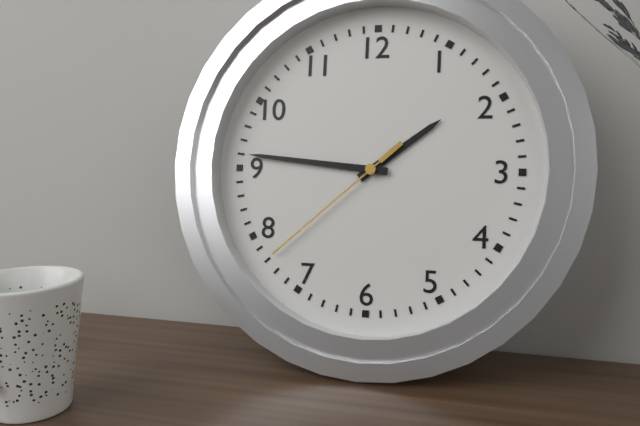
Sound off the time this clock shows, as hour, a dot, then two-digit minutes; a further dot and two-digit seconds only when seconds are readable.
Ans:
1.46.38
